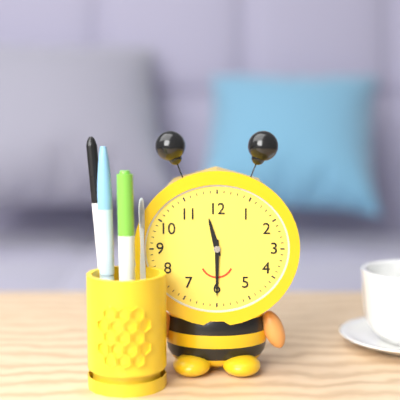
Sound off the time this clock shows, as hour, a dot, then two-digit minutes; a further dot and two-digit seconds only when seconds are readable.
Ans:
11.30
